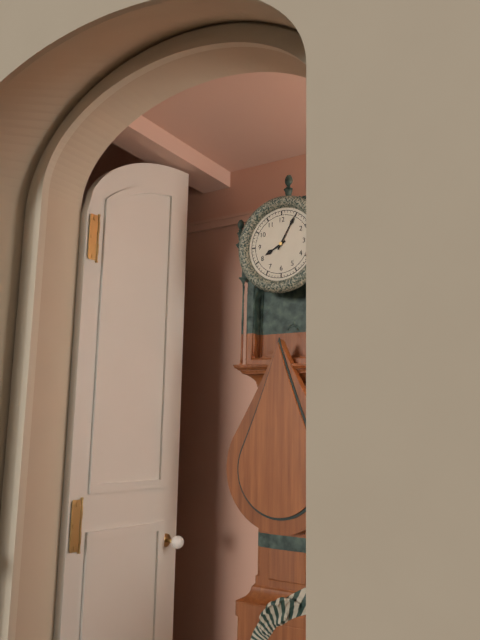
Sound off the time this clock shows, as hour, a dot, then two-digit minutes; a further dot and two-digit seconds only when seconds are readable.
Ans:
8.05
